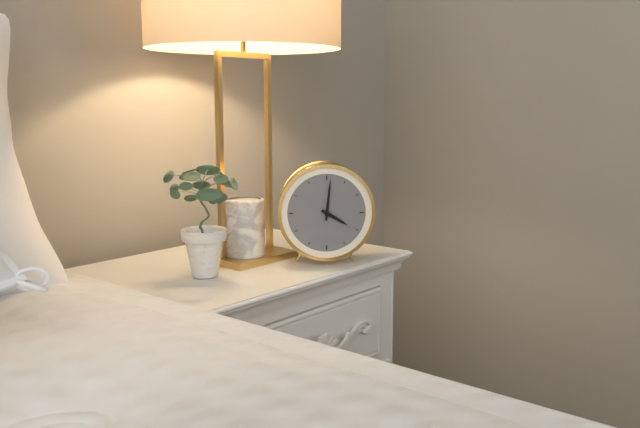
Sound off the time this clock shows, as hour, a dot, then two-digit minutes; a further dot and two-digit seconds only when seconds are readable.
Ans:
4.01
